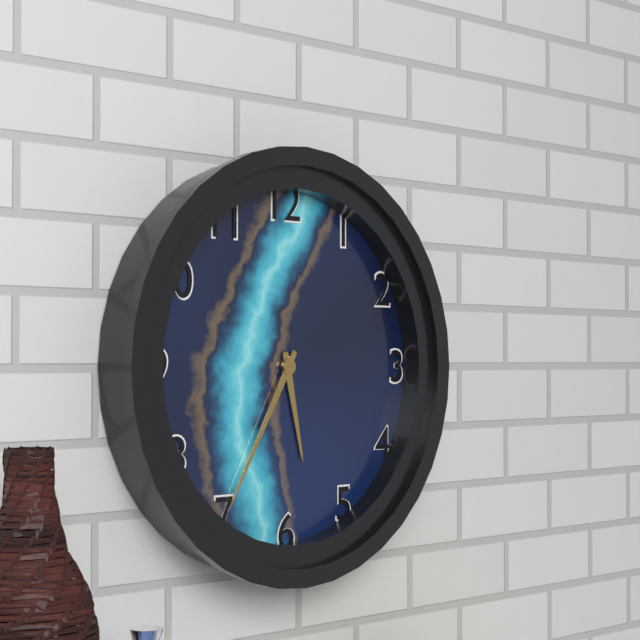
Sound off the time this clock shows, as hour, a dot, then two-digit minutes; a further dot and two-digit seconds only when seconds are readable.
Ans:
5.35
